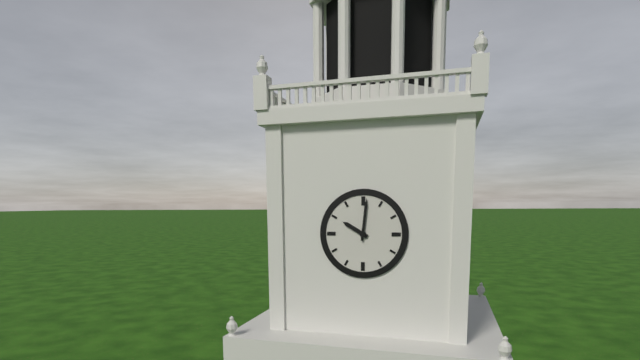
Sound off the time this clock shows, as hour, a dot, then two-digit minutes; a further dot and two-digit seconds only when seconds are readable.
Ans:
10.01
